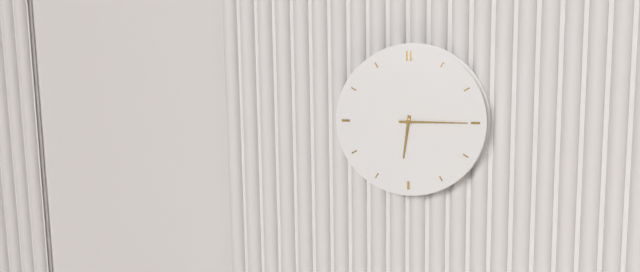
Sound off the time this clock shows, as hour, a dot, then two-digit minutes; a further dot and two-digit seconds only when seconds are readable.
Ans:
6.15
